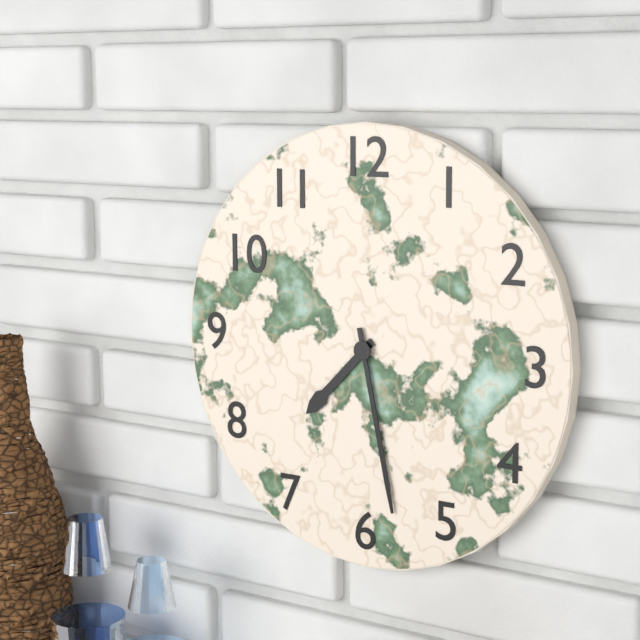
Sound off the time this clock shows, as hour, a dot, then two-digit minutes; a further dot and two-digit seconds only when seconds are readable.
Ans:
7.28
